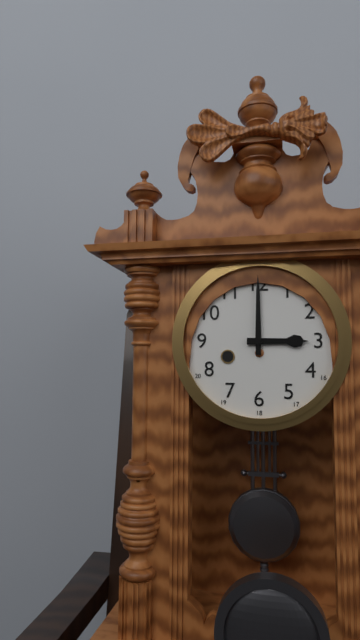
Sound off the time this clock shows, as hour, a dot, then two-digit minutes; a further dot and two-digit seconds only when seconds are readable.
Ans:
3.00
